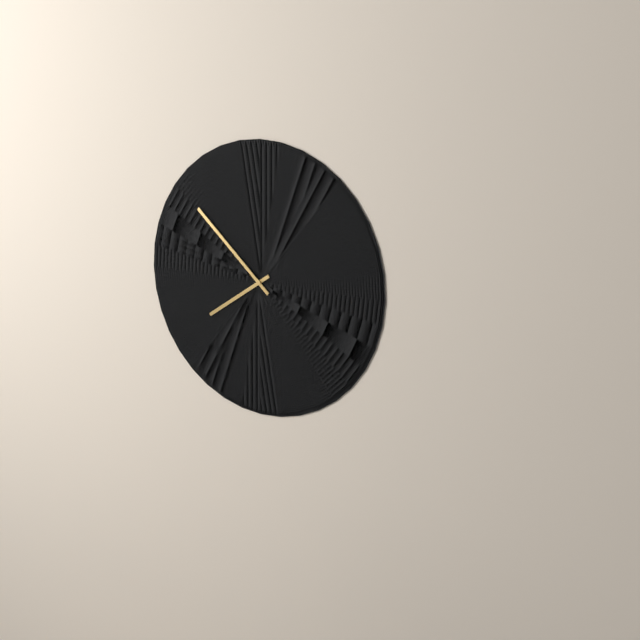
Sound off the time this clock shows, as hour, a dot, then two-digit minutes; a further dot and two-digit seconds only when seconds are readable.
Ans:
7.52
